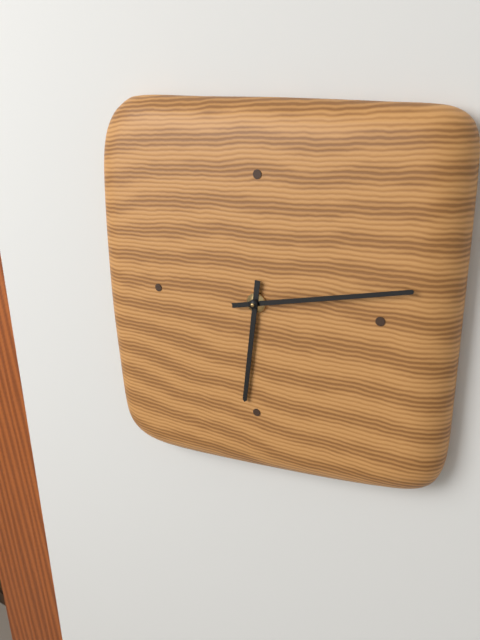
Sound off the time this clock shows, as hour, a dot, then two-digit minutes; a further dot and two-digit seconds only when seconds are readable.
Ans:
6.13
